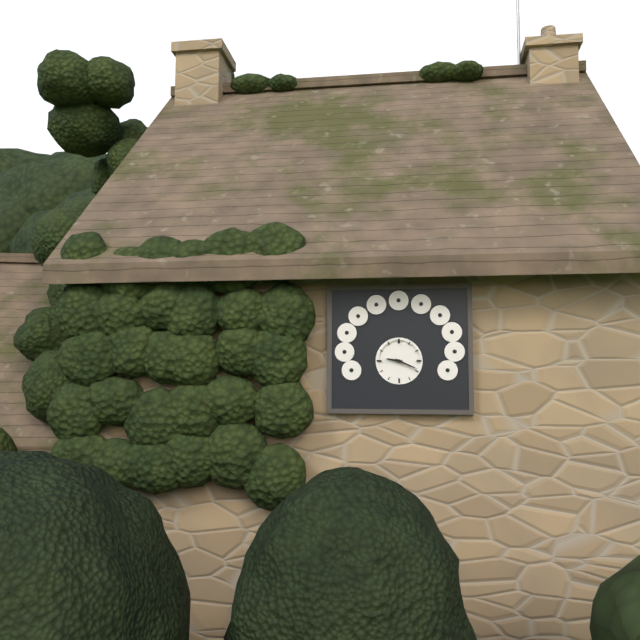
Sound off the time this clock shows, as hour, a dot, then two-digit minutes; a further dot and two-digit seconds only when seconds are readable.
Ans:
9.19
